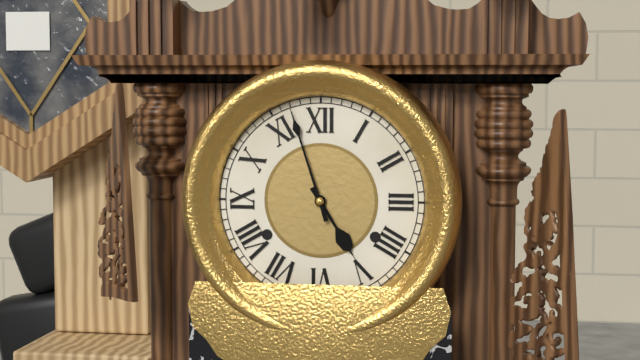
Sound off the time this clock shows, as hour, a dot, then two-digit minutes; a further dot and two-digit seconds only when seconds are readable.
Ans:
4.57
